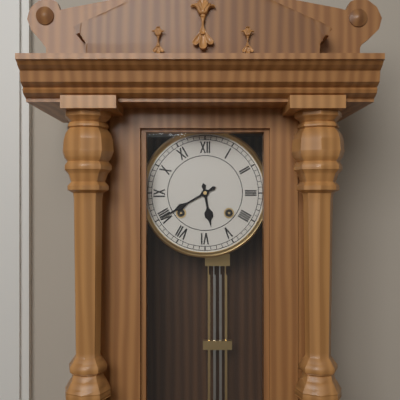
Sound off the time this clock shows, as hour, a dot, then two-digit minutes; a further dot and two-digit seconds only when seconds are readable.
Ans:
5.40
